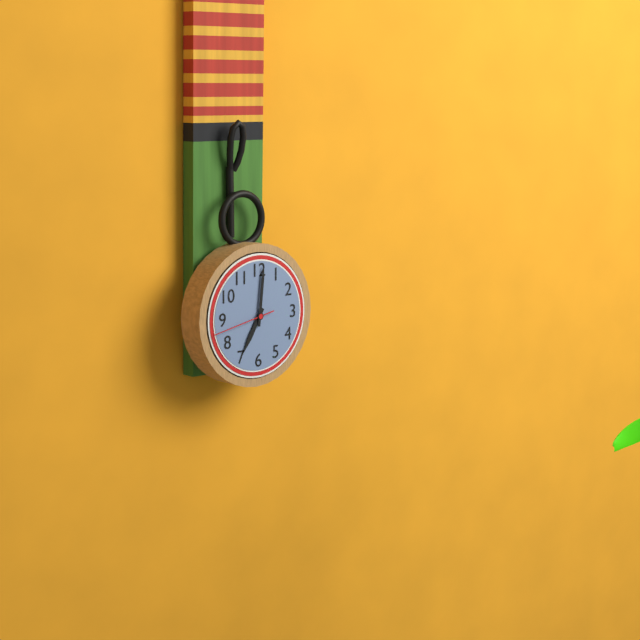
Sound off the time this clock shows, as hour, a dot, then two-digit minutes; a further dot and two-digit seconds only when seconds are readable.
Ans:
7.01.43
